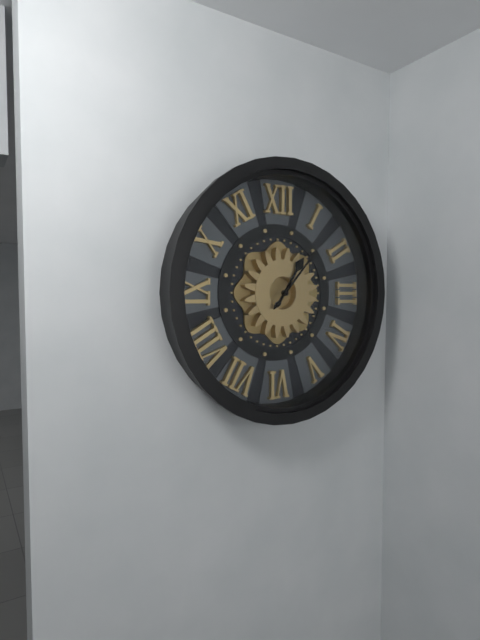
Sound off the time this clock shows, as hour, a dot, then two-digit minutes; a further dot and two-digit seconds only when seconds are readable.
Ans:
1.07
